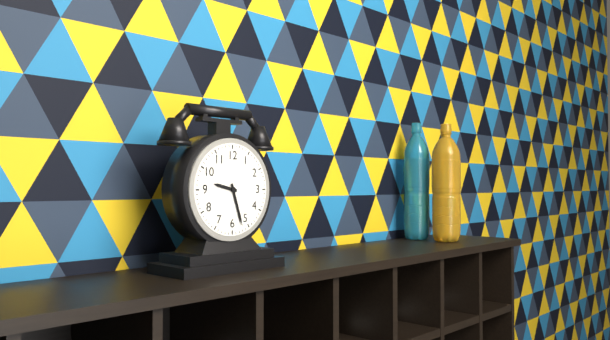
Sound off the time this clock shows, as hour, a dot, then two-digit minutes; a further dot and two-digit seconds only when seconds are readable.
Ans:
9.27
